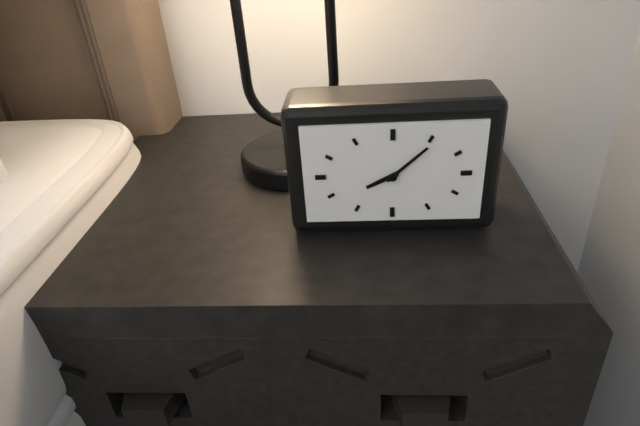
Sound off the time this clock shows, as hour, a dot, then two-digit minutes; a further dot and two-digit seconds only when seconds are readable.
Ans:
8.08
